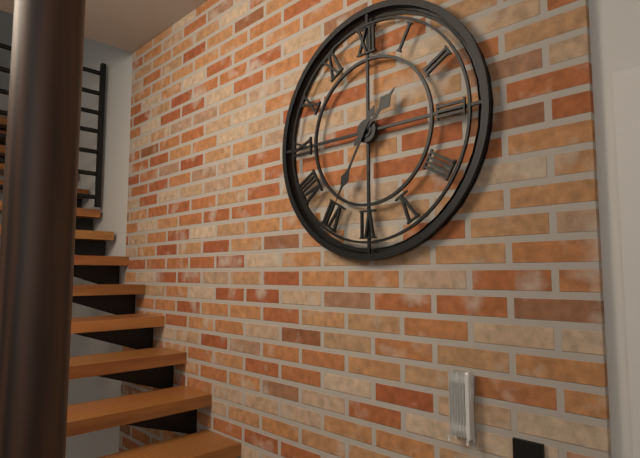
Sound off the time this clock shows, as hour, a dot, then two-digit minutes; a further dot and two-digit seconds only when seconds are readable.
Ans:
1.35
